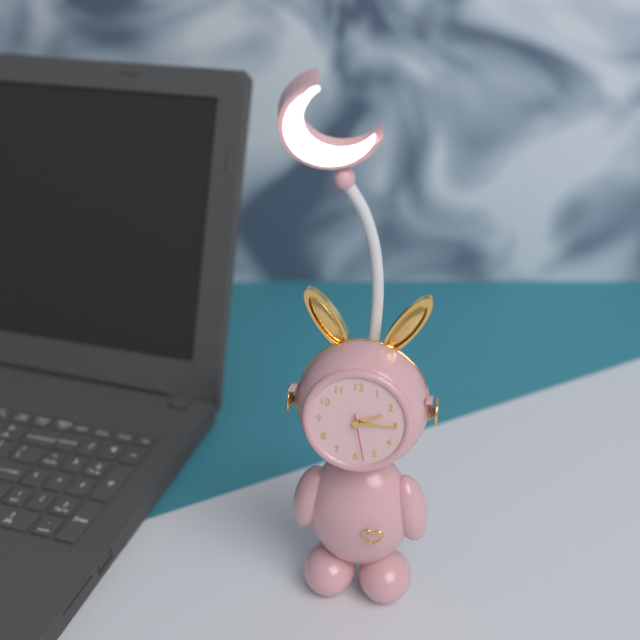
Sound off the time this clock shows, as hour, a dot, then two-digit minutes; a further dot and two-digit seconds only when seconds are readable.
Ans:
2.15
